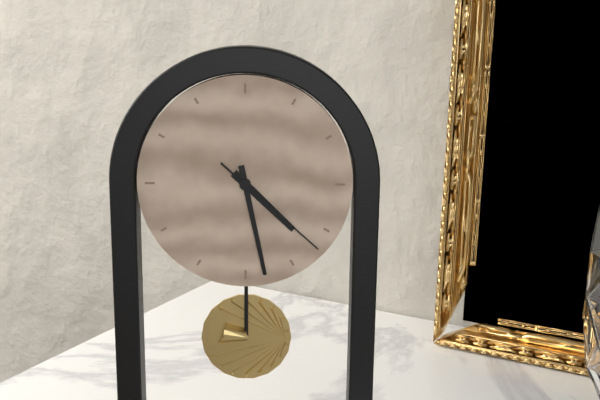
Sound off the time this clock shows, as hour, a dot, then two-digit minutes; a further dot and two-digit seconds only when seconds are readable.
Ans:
4.28.22
